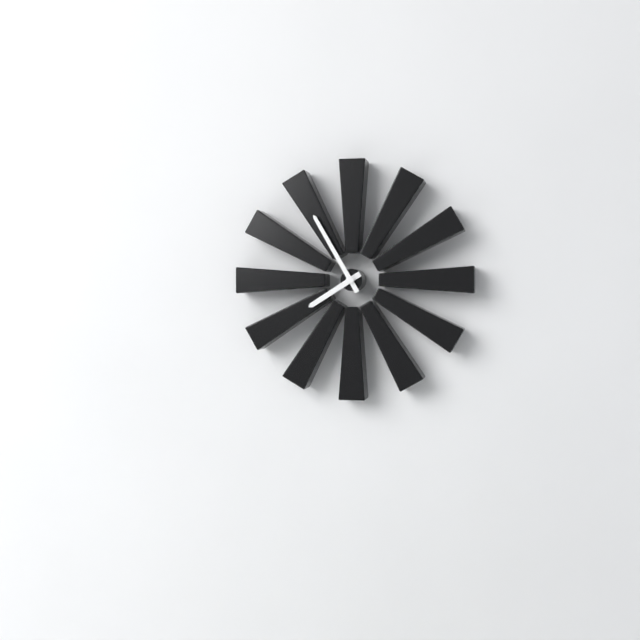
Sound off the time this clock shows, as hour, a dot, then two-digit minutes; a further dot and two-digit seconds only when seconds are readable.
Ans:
7.55
